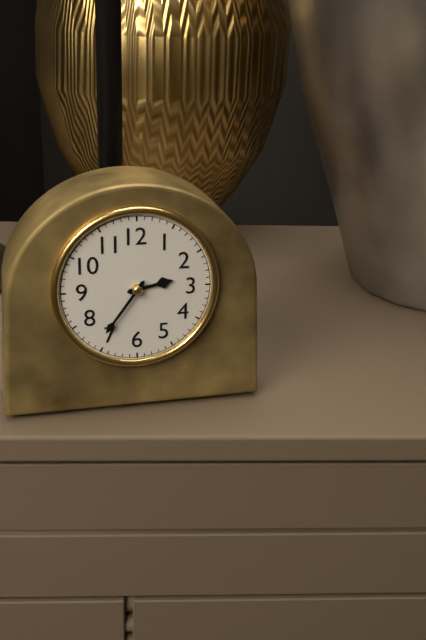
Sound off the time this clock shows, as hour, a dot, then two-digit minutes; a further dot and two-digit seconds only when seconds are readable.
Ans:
2.36
